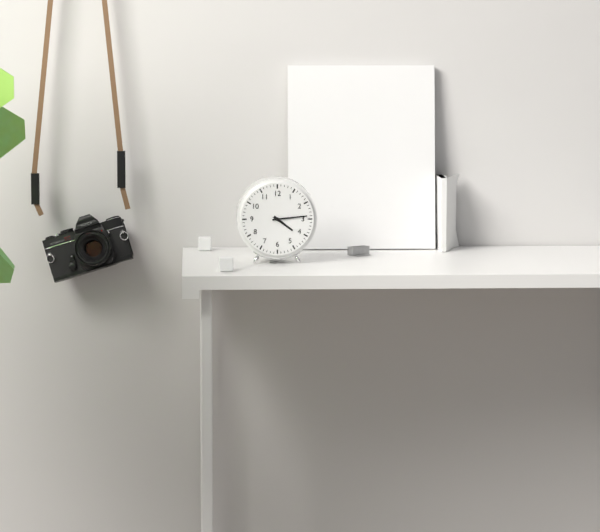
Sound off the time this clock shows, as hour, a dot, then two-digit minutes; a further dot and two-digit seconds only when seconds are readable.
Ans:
4.14
